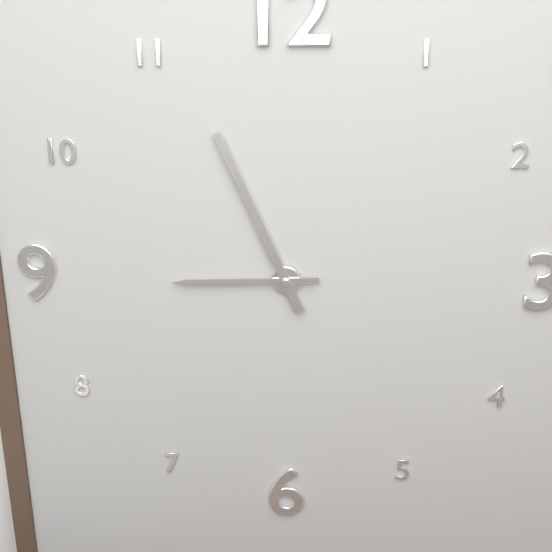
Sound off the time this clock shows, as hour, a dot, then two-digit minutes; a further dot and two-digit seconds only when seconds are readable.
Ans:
8.56
